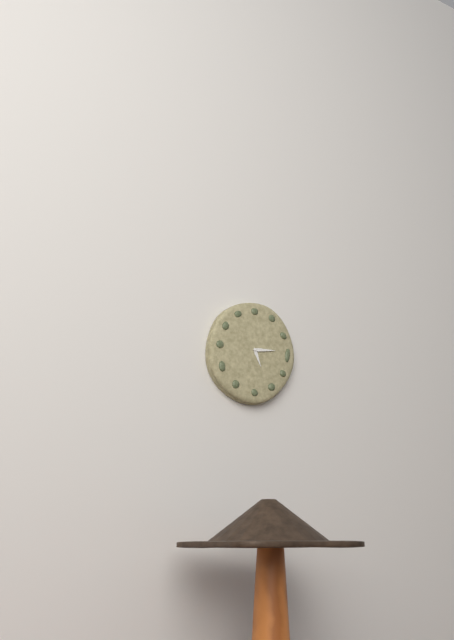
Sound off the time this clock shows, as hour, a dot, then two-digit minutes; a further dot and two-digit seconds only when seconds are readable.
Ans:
5.14
